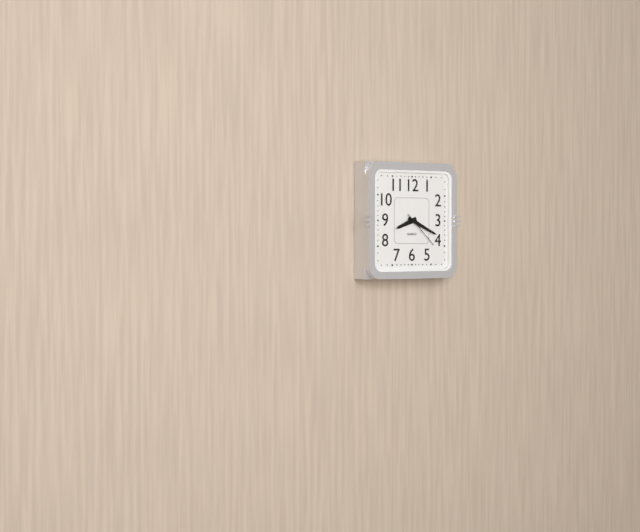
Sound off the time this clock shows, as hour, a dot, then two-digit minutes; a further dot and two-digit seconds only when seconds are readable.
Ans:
8.19.22
